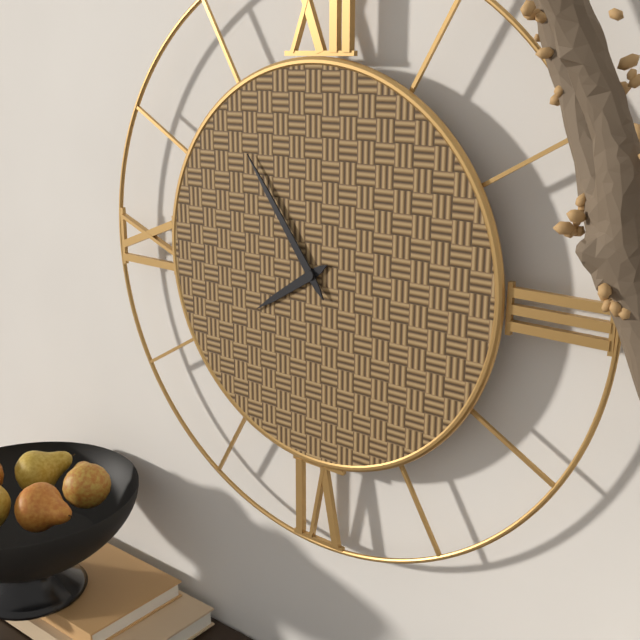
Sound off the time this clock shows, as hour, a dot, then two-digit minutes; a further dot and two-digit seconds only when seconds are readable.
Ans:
7.54
